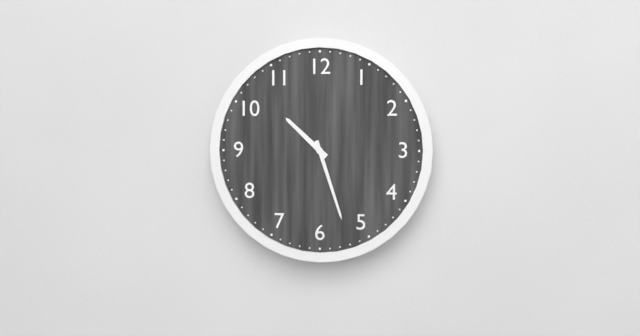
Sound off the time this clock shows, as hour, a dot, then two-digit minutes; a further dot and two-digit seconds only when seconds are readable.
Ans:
10.27
